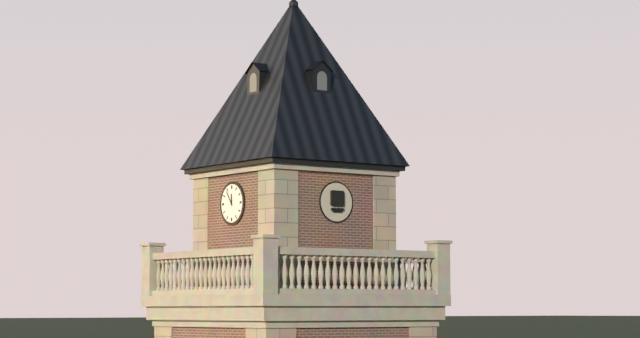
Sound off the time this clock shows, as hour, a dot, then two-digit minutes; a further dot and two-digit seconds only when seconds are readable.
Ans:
11.54
